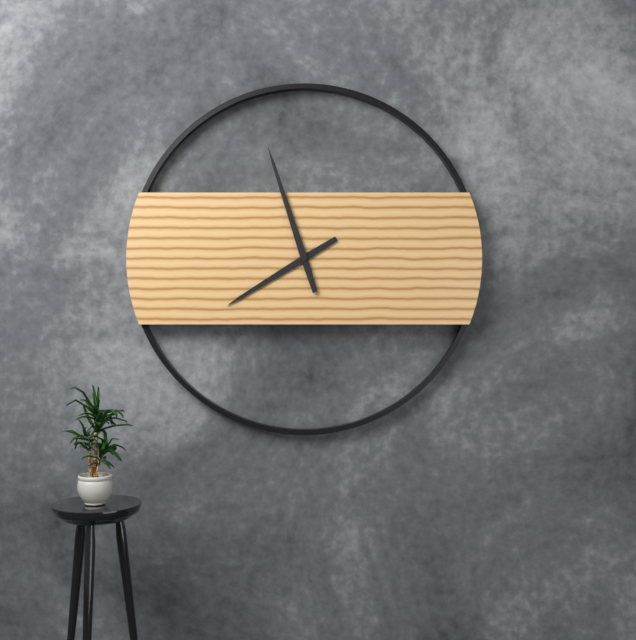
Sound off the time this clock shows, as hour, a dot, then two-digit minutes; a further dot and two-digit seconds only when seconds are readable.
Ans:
7.57
